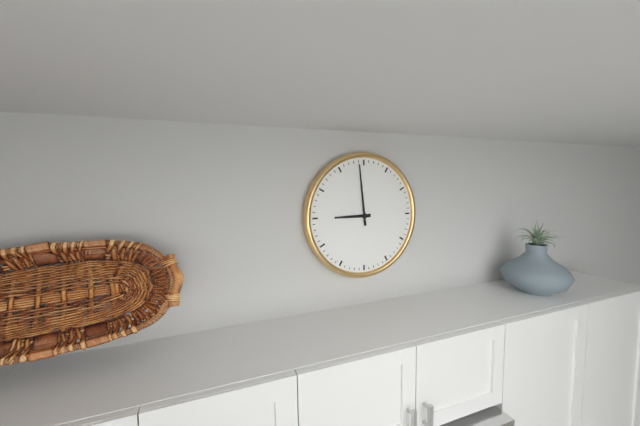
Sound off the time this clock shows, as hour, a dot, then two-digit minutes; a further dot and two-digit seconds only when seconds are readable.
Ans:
8.59
